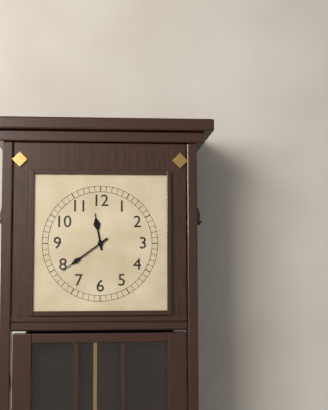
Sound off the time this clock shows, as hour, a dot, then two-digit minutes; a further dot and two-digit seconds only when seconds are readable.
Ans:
11.39
